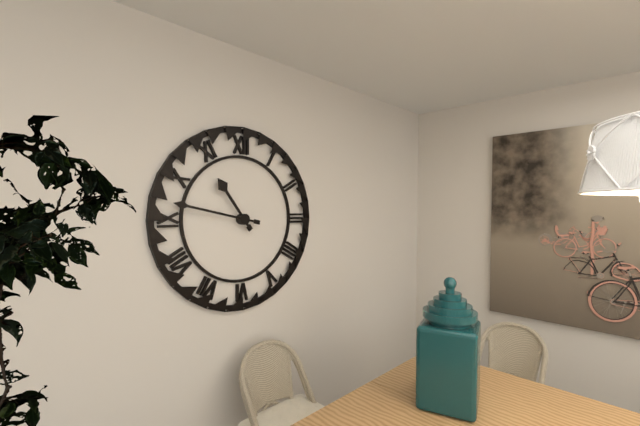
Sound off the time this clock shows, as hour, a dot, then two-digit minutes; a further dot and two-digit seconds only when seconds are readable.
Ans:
10.47
